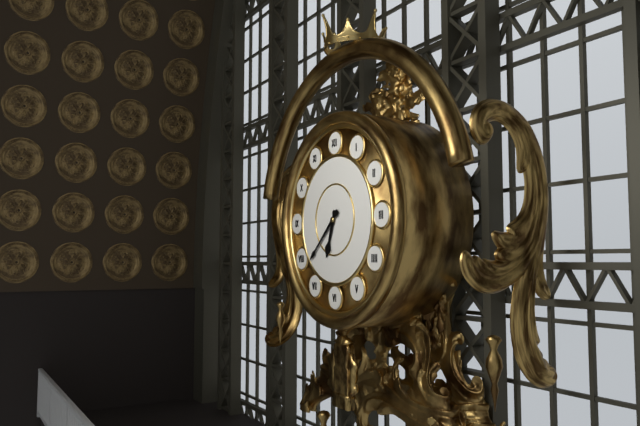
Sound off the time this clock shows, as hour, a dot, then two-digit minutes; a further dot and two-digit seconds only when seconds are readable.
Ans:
6.38
